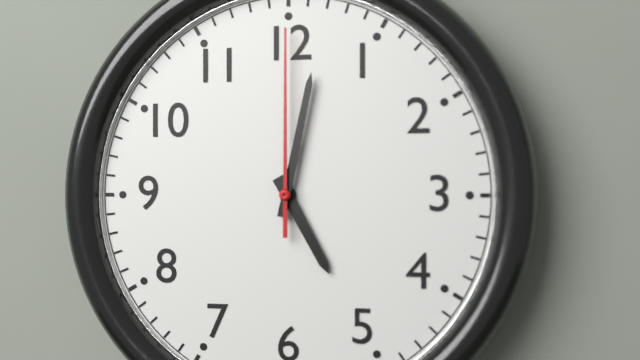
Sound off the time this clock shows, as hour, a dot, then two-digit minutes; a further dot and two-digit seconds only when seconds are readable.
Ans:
5.02.00
